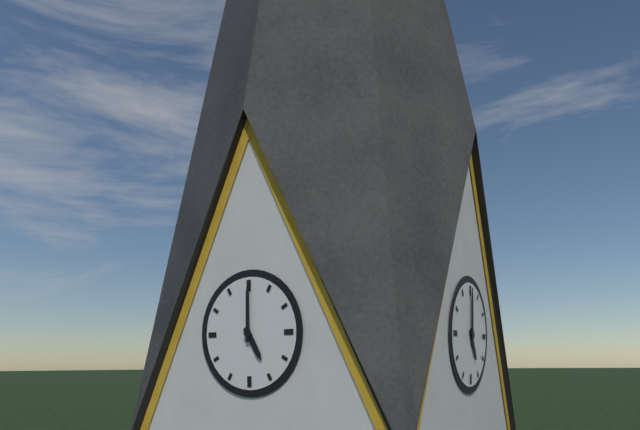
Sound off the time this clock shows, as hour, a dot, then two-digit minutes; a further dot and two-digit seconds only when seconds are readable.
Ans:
5.00
